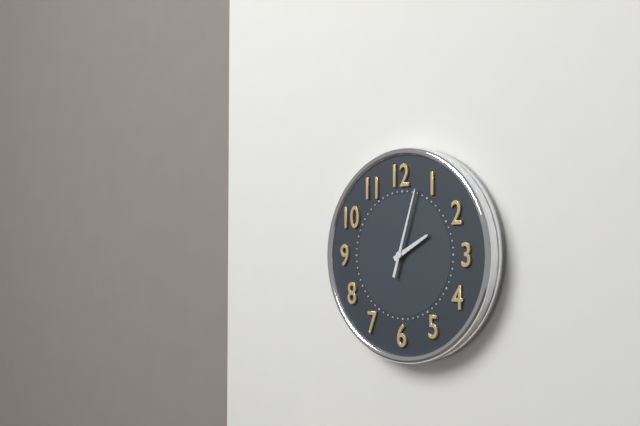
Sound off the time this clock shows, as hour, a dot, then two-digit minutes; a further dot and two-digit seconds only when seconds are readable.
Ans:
2.03
